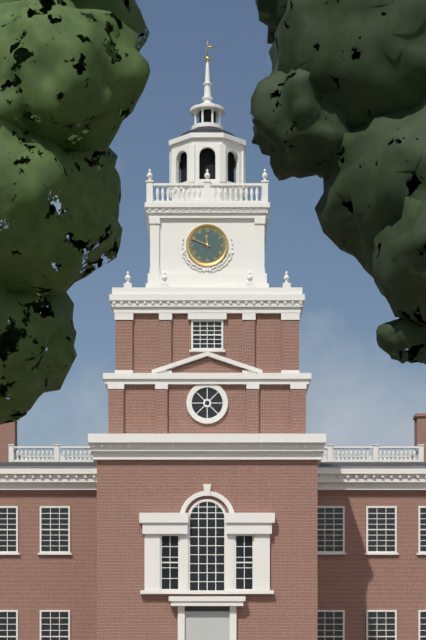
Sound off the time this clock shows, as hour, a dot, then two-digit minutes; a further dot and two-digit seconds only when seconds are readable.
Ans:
11.49
